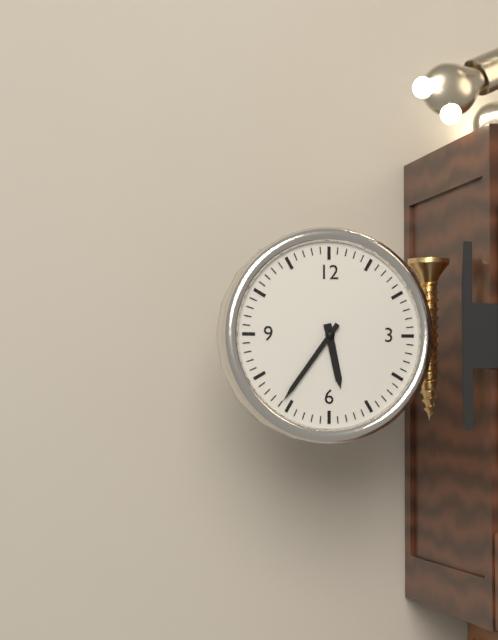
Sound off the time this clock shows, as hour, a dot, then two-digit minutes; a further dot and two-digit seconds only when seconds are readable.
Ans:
5.36
